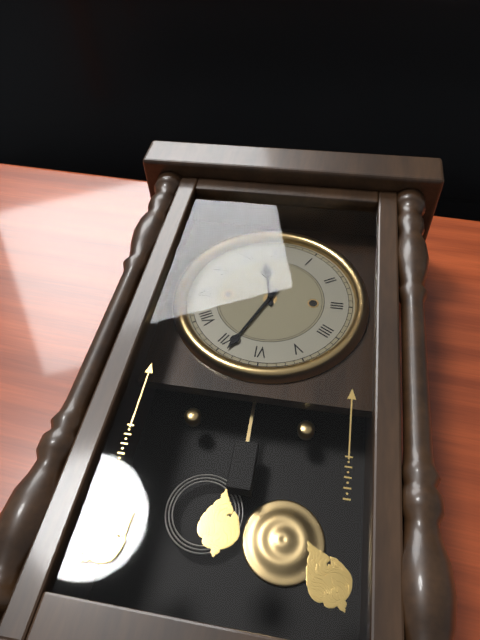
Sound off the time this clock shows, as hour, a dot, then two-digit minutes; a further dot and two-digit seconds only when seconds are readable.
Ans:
11.34
